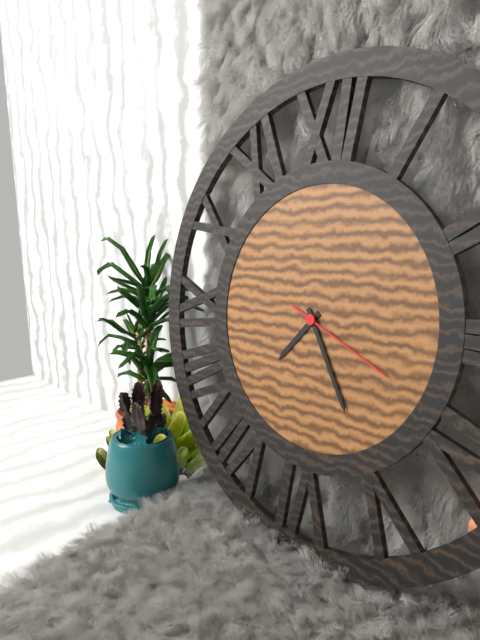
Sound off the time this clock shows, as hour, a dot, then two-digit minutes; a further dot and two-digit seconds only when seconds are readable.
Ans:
7.25.19
